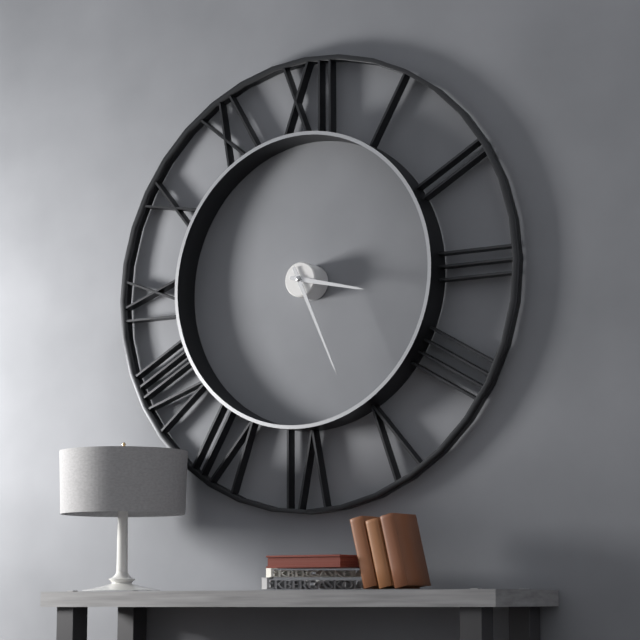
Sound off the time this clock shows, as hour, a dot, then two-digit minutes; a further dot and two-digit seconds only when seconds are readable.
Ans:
3.26
